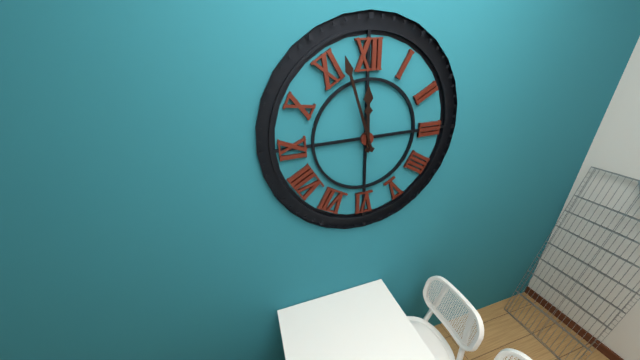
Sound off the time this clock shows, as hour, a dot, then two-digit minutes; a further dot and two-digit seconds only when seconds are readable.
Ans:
11.57
